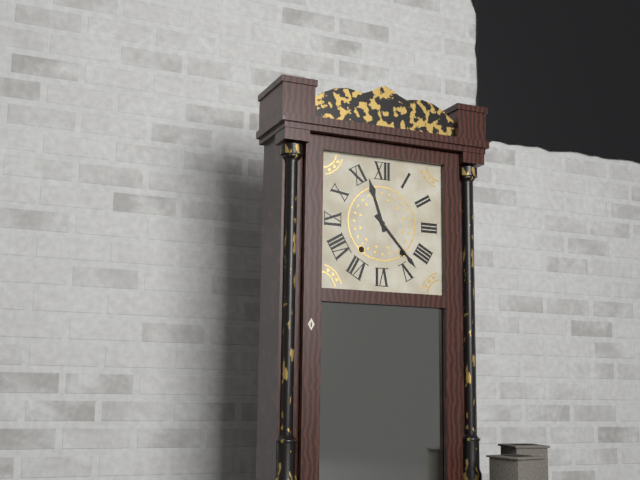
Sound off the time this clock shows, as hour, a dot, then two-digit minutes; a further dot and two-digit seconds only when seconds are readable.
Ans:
11.23
